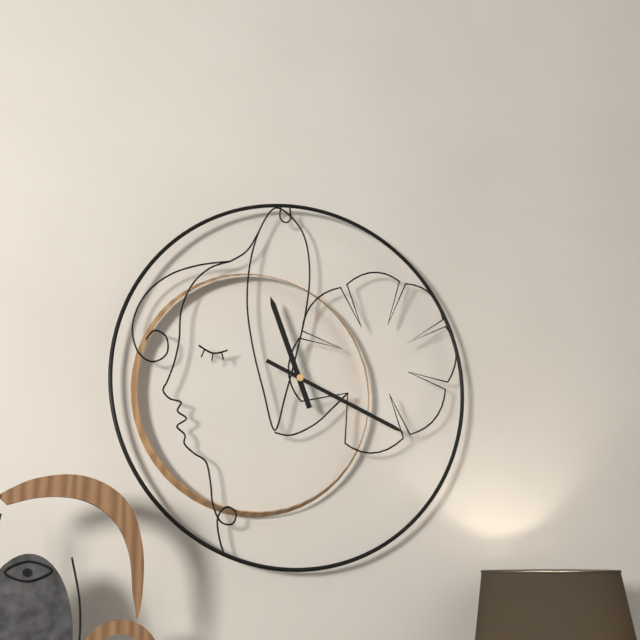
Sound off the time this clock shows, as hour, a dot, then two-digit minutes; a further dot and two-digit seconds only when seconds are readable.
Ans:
11.19
